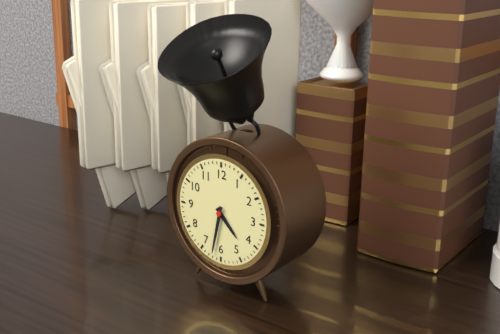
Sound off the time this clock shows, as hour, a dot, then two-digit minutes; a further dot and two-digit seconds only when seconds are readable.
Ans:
4.32
